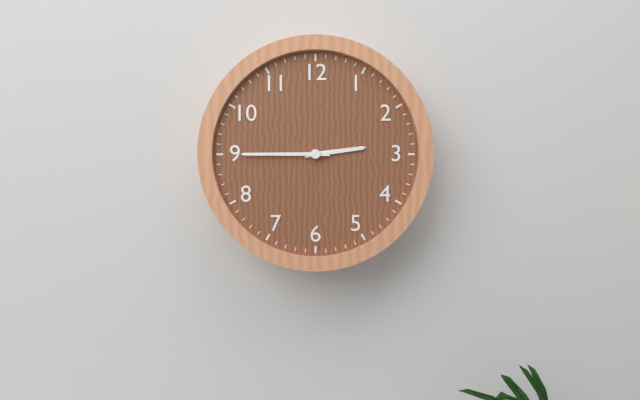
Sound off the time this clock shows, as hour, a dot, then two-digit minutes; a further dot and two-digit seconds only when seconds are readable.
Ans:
2.45
